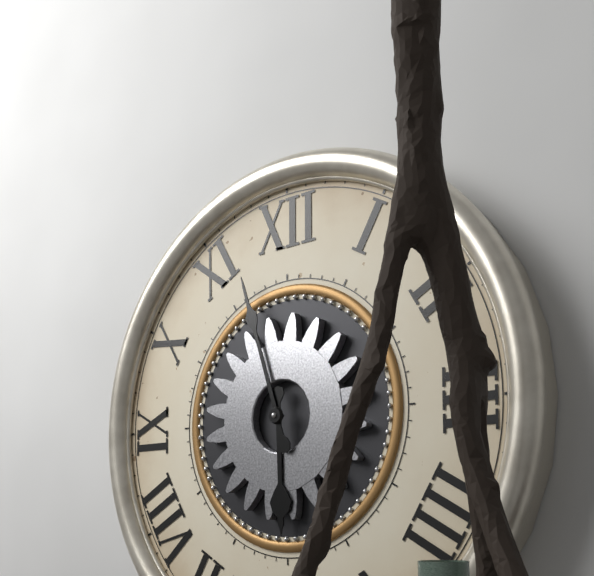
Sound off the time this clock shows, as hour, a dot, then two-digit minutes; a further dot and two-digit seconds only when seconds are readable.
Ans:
5.57
